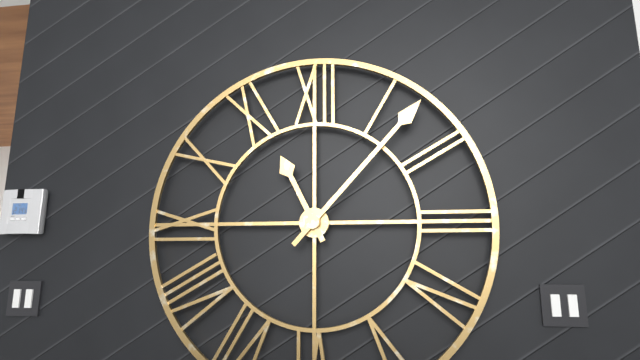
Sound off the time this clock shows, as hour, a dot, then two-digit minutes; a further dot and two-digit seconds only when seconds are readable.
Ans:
11.07
